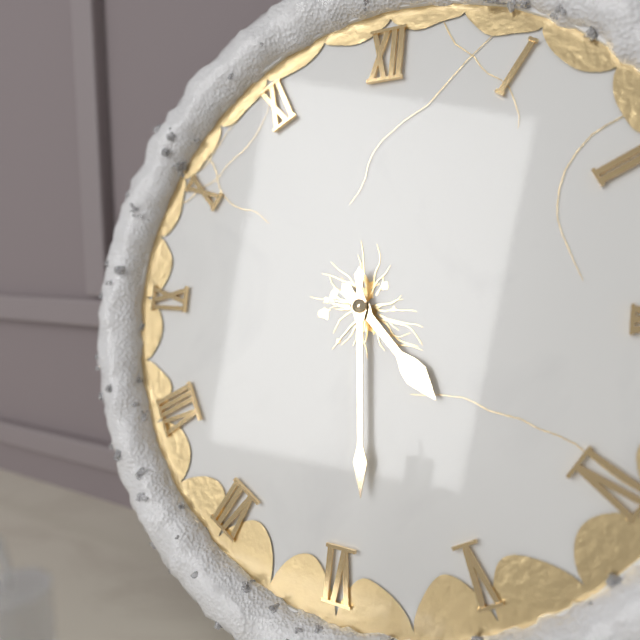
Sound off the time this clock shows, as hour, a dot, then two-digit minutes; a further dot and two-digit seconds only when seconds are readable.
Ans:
4.29
